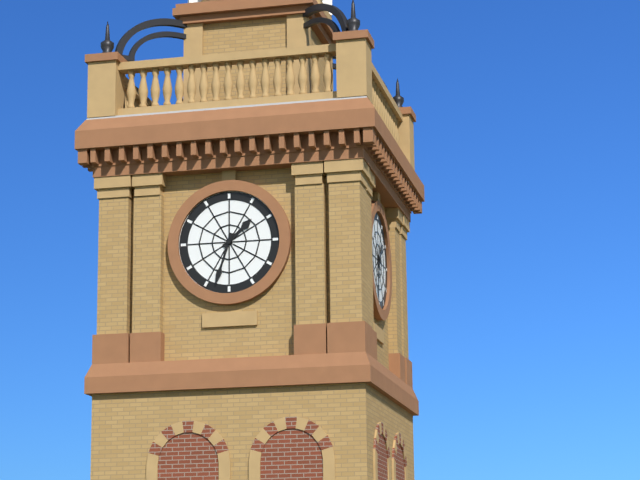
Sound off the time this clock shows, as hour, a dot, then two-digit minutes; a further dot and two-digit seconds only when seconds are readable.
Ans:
1.33
